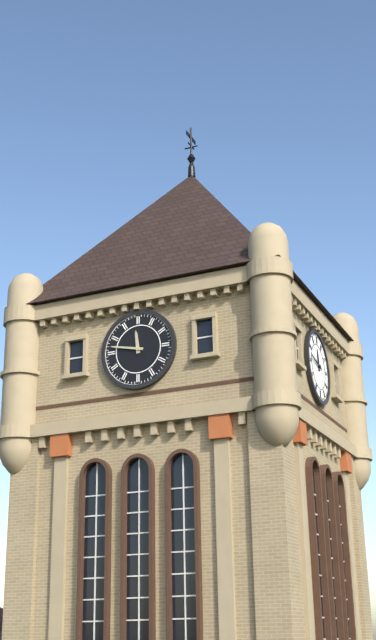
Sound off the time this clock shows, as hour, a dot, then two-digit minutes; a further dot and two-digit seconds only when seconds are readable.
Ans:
11.47
